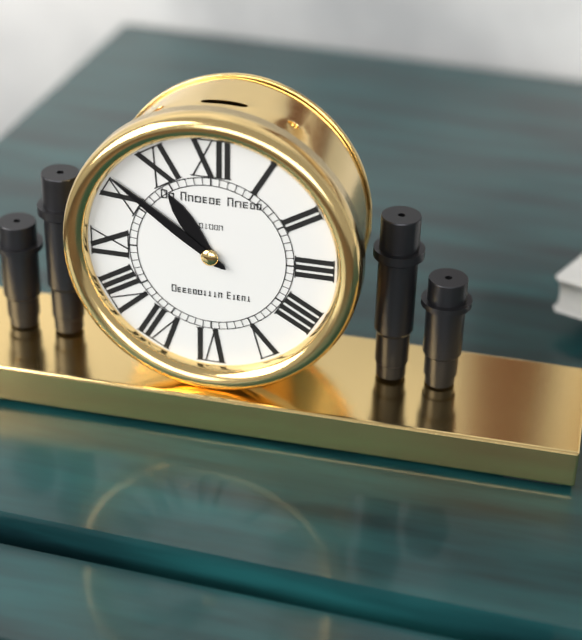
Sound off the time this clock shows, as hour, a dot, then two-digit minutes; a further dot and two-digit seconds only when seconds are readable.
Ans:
10.51
